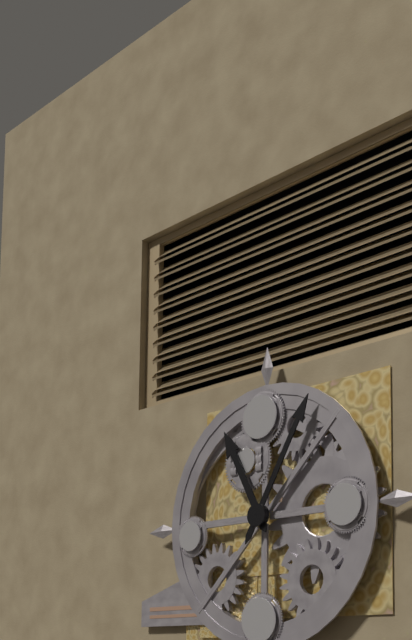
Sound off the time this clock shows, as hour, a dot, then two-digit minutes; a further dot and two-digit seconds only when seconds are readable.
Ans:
11.05
